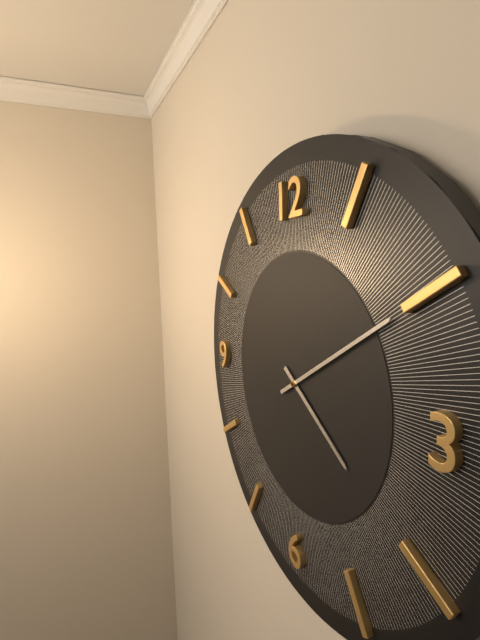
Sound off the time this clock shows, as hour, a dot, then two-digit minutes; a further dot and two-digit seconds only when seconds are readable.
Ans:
4.10
